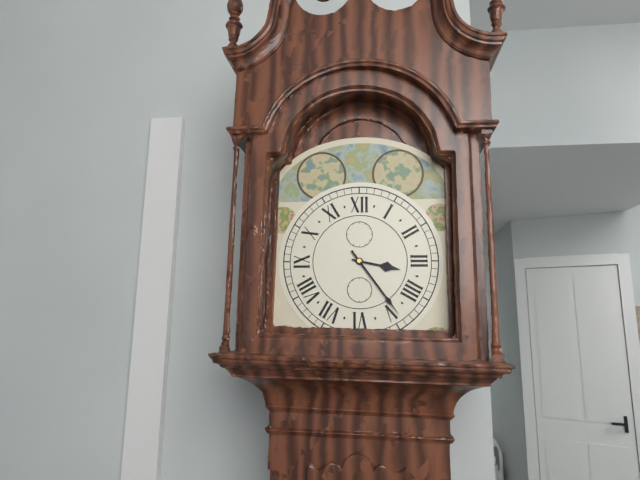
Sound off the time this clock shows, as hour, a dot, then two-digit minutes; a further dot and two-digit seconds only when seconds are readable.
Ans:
3.24
